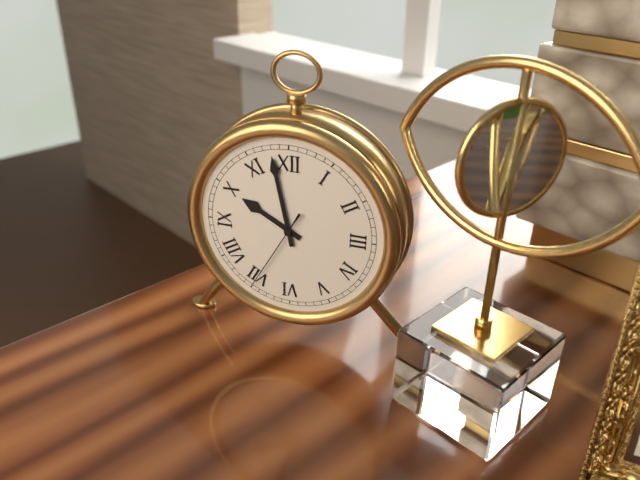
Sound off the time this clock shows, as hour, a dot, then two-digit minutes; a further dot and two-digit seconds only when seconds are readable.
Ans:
9.58.35
